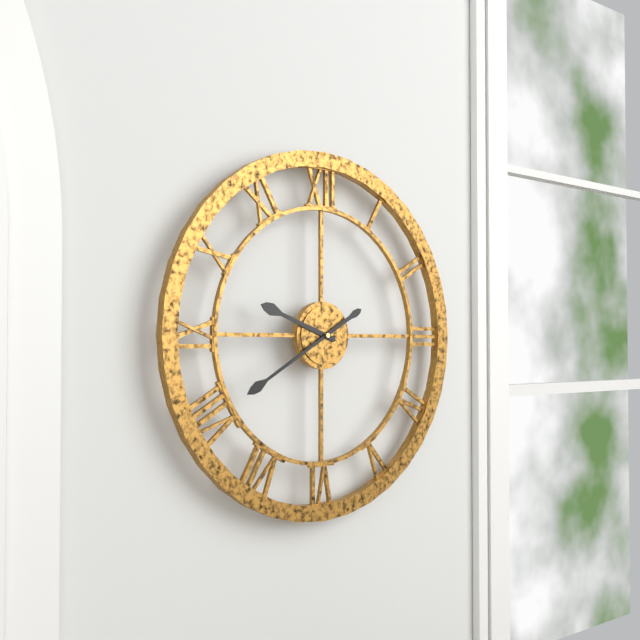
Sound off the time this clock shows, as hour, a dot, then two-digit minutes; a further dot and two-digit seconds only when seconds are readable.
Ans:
9.40
